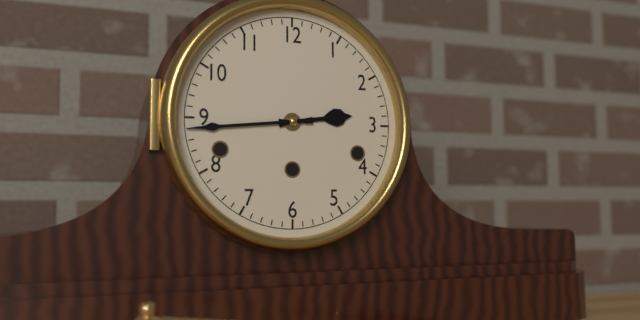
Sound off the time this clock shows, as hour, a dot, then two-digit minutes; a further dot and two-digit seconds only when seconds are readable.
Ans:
2.44
